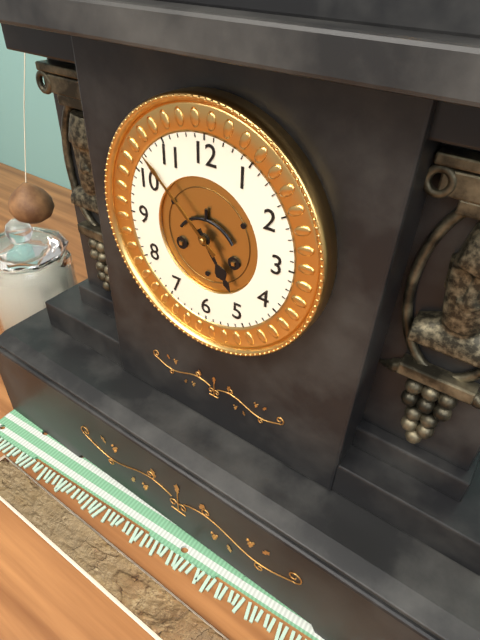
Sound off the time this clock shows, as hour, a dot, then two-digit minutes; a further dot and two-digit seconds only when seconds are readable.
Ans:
4.52
